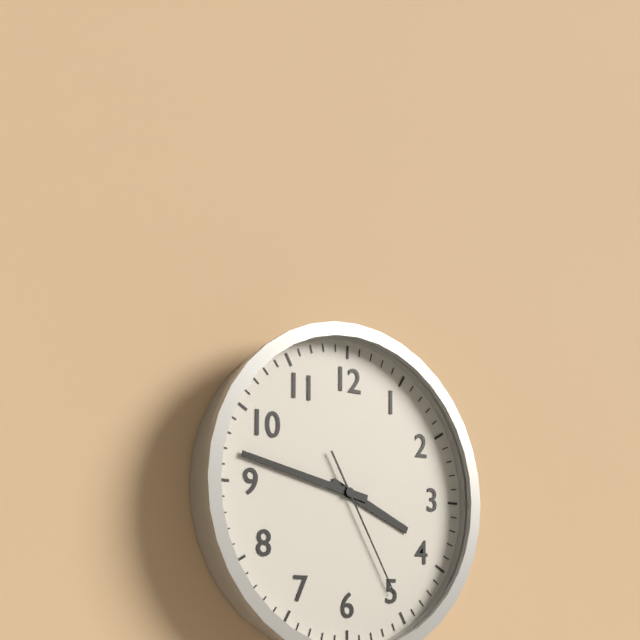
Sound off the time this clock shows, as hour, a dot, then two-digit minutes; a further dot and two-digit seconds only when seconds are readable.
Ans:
3.47.25
